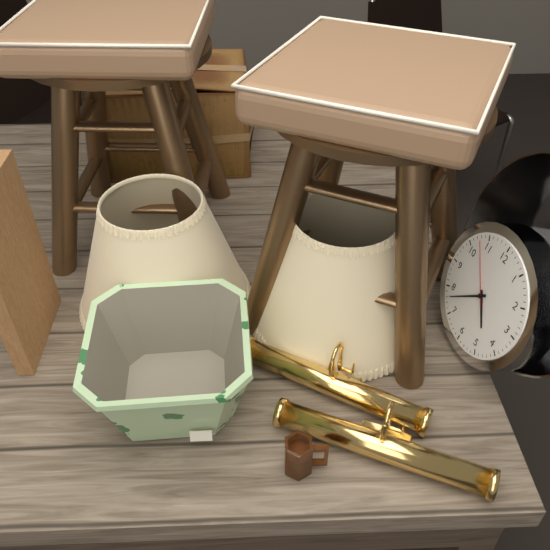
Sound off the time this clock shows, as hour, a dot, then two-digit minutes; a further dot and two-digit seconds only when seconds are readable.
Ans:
4.38.53
